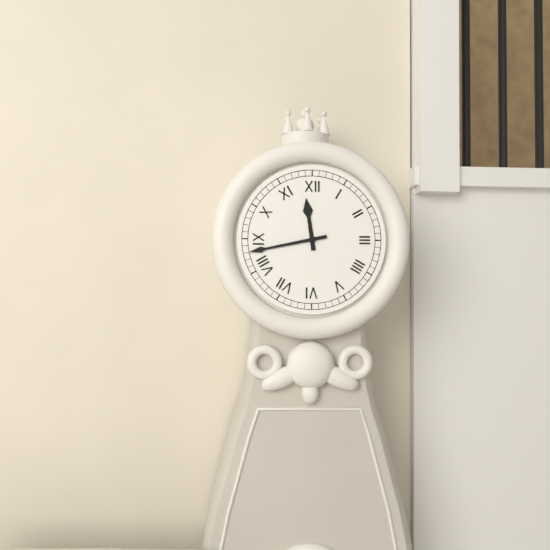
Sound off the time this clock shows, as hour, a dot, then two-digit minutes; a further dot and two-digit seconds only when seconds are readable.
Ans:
11.43
